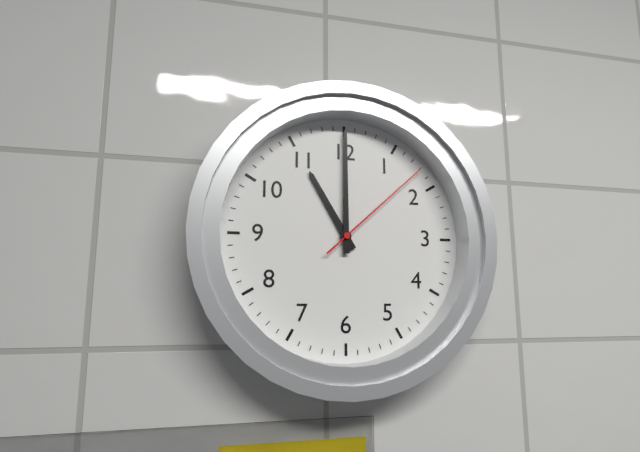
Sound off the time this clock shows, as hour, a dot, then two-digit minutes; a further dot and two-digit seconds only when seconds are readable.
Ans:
11.00.08
